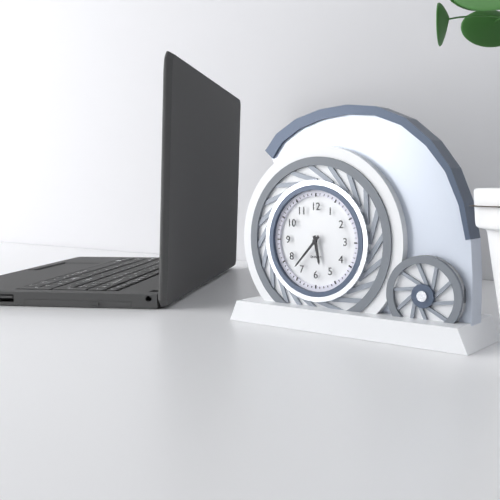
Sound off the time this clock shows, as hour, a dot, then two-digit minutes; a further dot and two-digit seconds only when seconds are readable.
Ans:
5.37
